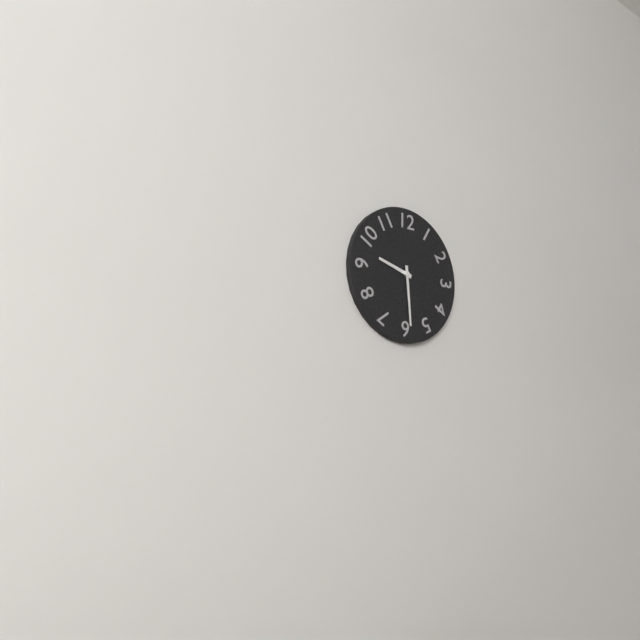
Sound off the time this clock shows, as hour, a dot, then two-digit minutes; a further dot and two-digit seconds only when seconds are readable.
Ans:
9.29
